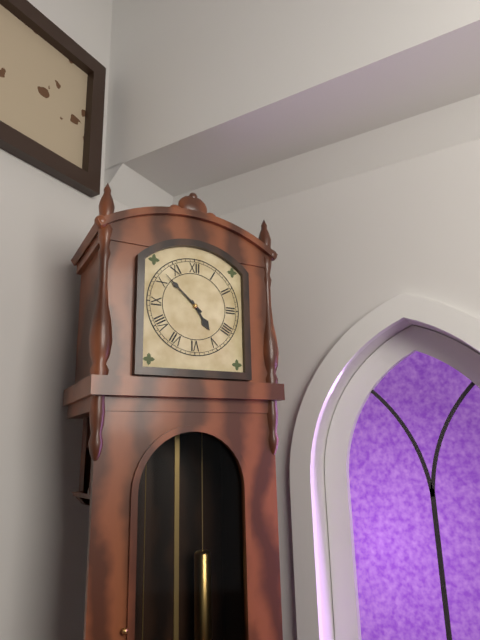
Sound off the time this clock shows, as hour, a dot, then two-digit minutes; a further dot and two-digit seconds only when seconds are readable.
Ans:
4.52
